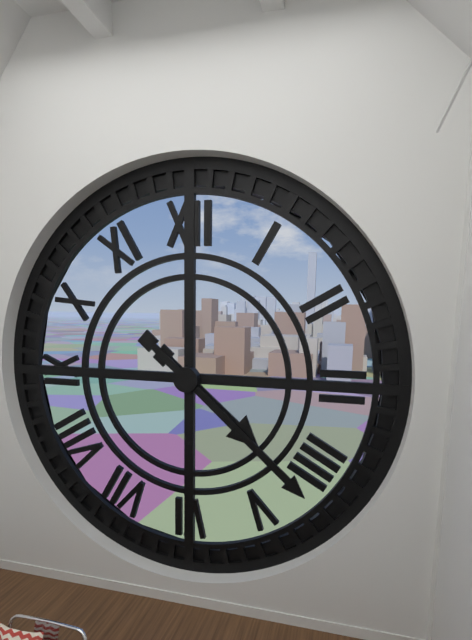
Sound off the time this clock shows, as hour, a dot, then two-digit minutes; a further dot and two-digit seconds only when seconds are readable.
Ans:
4.22
